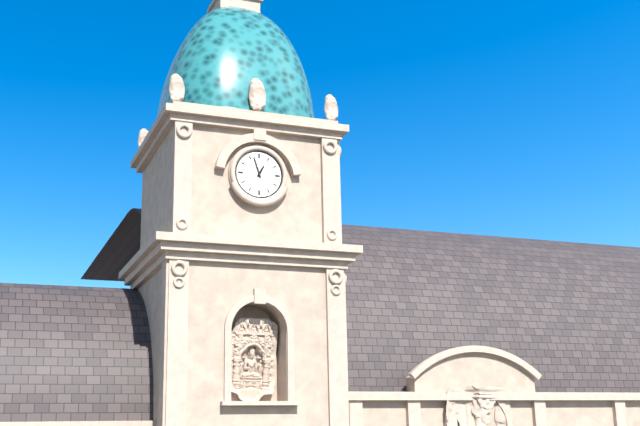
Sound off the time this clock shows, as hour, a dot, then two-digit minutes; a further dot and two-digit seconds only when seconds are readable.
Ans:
12.57
